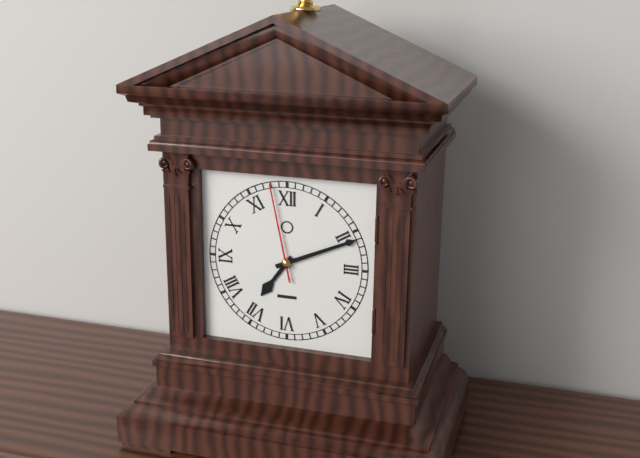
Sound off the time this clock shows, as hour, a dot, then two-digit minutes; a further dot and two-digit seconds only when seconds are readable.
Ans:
7.11.58
